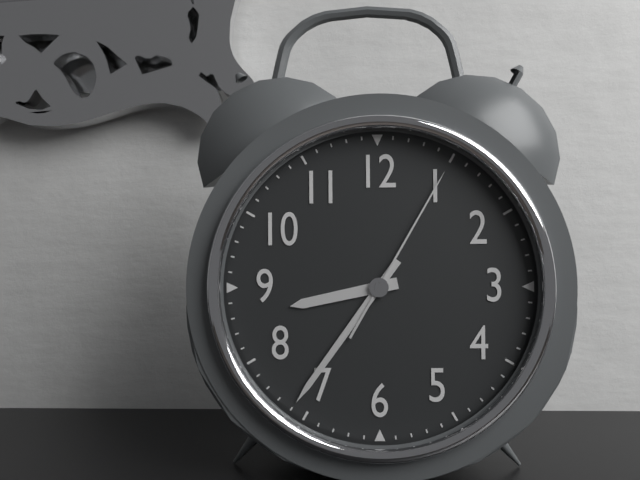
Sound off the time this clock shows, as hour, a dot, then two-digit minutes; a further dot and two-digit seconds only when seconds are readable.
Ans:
8.36.05
